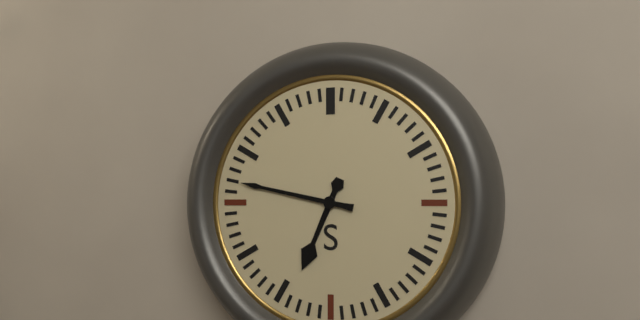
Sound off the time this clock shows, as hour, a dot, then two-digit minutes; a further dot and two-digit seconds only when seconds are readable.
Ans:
6.47
